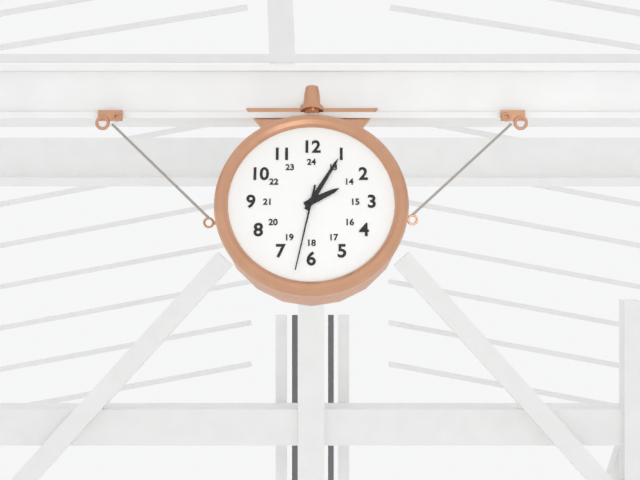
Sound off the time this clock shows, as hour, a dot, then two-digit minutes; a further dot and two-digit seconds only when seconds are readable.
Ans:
2.05.32
